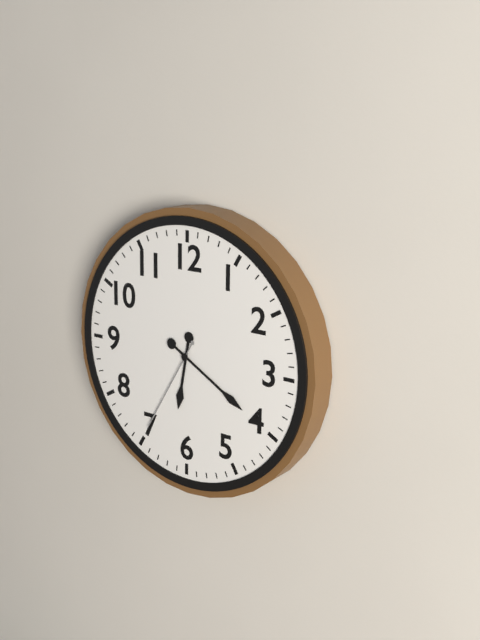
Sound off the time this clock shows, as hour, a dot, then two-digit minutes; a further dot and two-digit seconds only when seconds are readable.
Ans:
6.20.35
